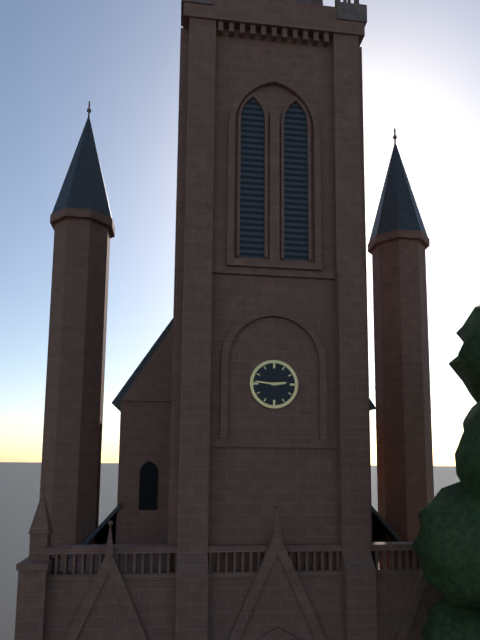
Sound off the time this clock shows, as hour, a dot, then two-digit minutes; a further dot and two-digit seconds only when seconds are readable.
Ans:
2.46
